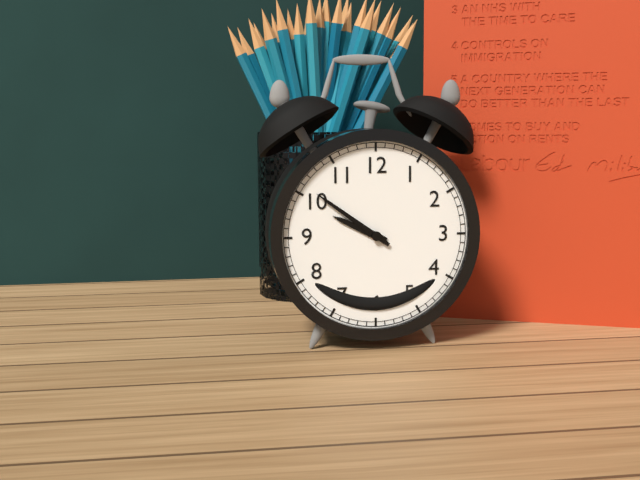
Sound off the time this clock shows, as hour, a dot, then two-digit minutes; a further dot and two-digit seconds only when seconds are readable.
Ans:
9.51
